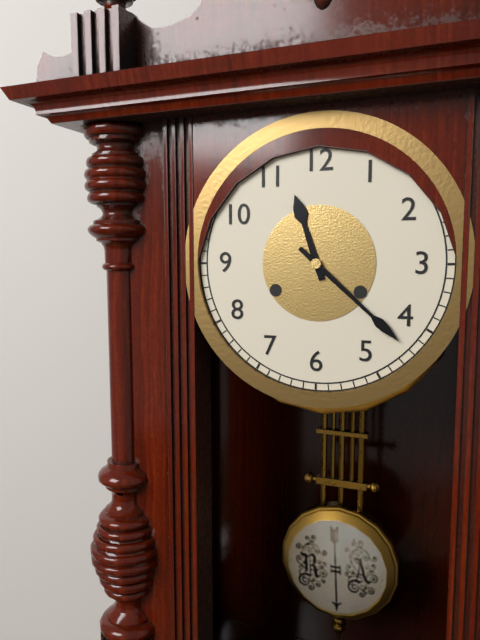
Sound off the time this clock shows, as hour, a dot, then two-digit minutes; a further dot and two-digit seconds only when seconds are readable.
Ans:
11.22
